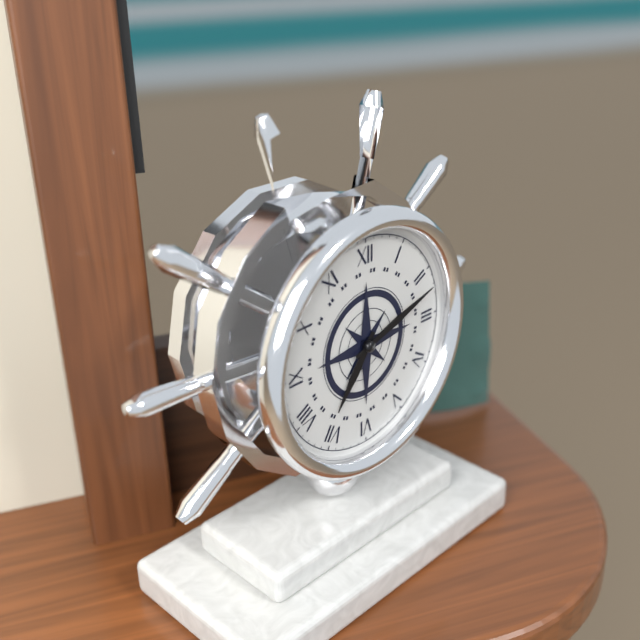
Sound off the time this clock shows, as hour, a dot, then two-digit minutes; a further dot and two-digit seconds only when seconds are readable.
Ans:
7.12
